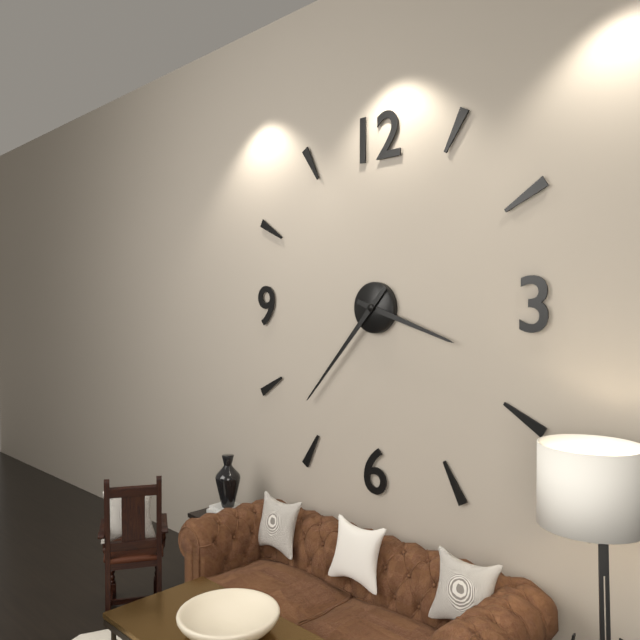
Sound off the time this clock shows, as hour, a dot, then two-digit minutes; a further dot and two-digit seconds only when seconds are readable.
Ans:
3.37
